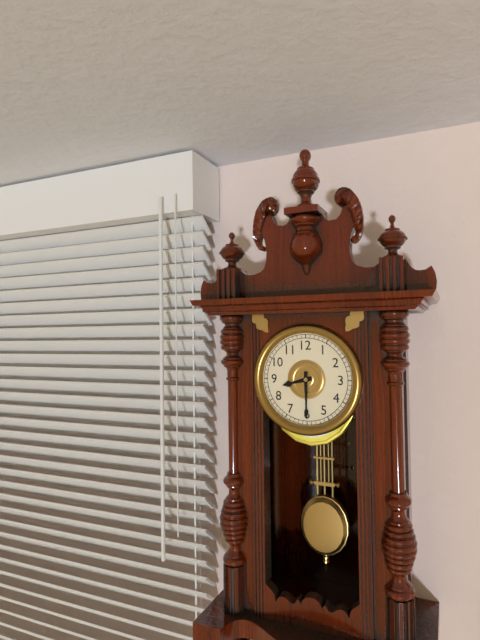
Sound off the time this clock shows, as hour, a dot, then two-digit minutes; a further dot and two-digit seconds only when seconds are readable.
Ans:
8.30
